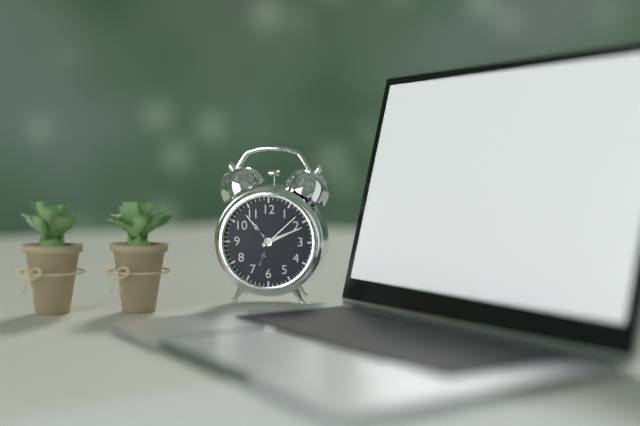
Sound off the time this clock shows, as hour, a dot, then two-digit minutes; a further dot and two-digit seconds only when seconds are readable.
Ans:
2.11
